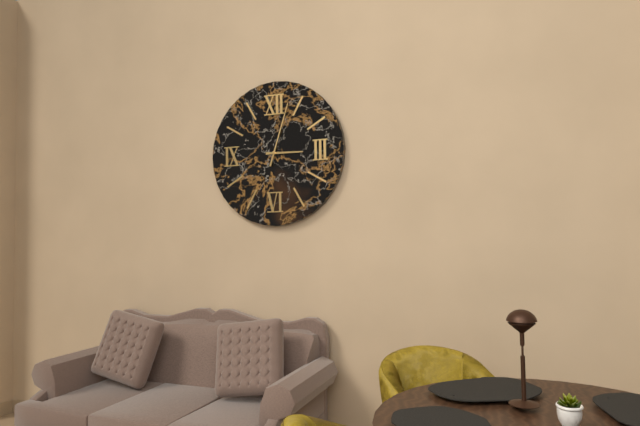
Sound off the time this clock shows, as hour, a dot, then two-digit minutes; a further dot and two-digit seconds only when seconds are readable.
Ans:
3.03
